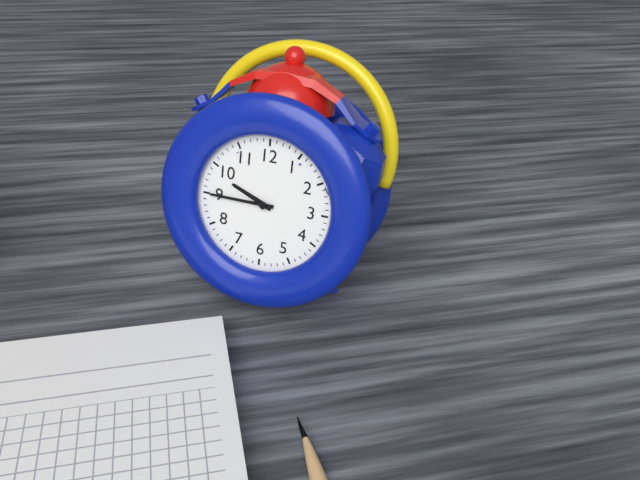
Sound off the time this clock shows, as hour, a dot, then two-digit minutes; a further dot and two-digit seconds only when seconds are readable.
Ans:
9.45
